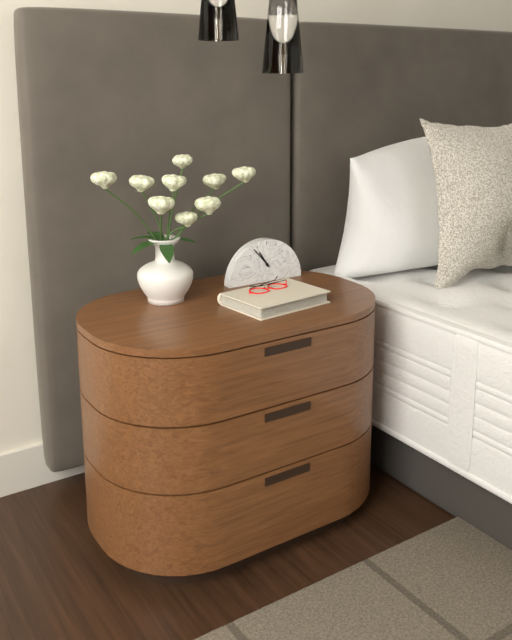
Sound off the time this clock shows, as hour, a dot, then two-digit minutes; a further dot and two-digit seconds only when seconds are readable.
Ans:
10.53
